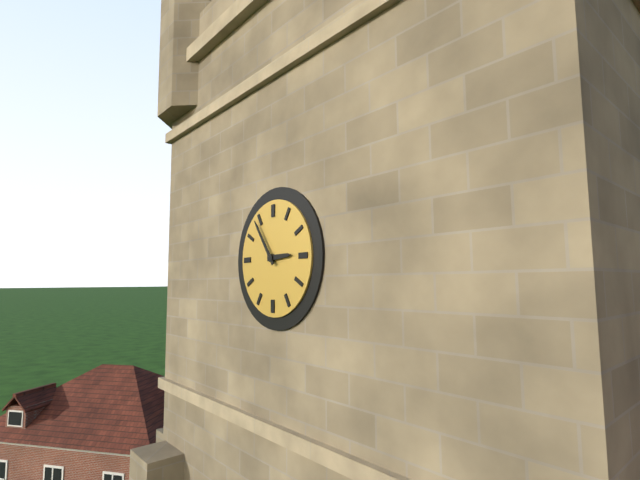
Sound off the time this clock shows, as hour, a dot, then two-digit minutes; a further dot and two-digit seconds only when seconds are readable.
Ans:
2.54
